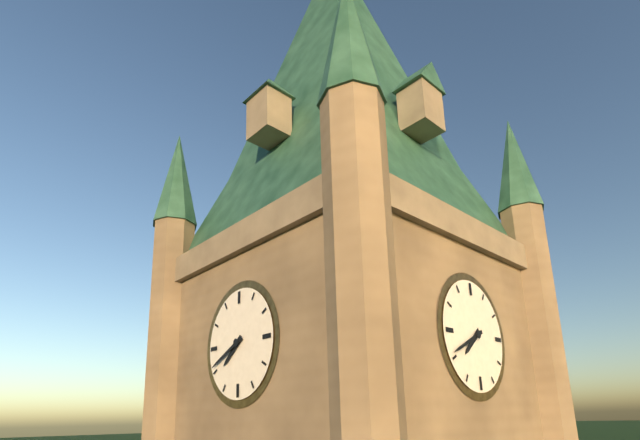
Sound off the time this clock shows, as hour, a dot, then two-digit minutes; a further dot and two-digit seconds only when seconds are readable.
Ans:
7.41
